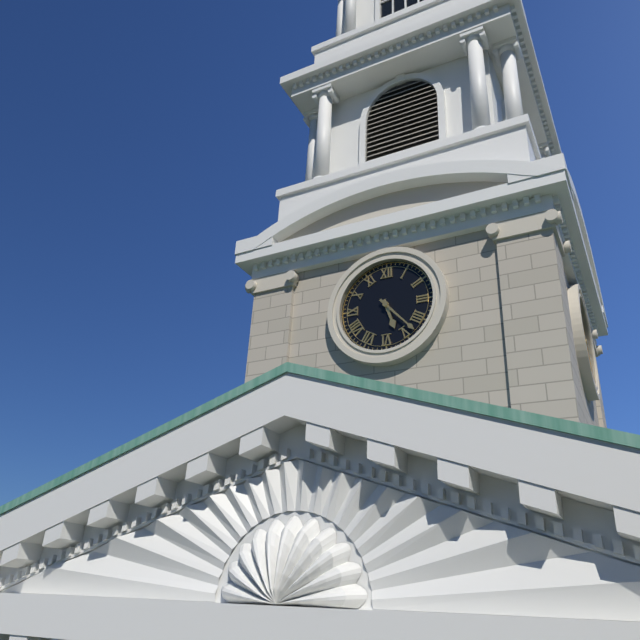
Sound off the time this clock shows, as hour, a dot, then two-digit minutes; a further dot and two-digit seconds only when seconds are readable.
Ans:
5.23
